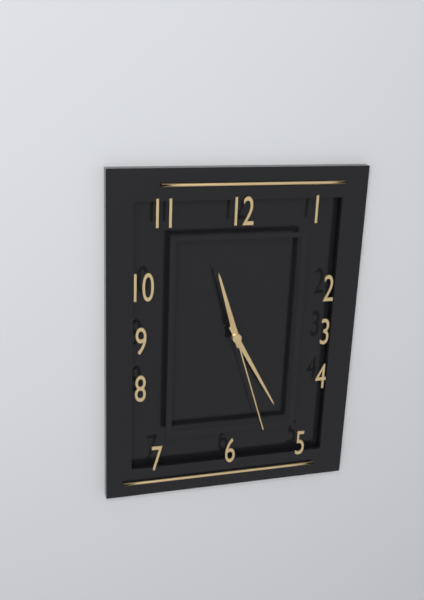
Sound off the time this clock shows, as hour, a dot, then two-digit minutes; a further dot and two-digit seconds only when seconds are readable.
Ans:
11.25.27
